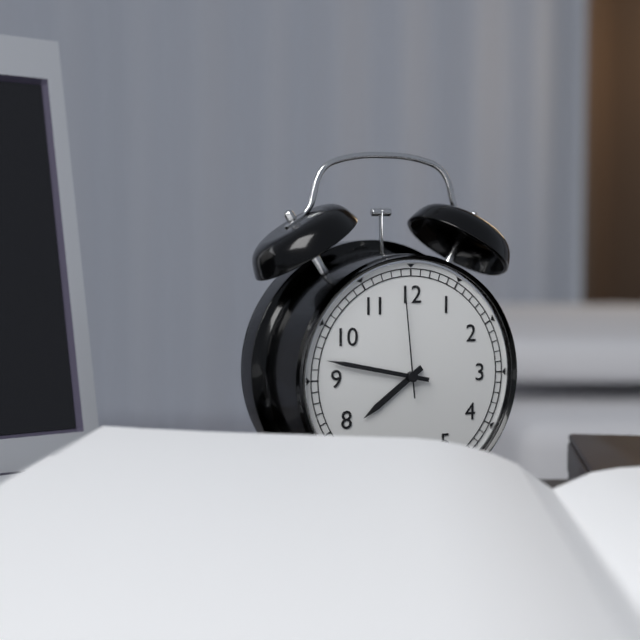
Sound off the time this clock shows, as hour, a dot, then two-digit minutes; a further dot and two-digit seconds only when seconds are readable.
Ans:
7.47.59
